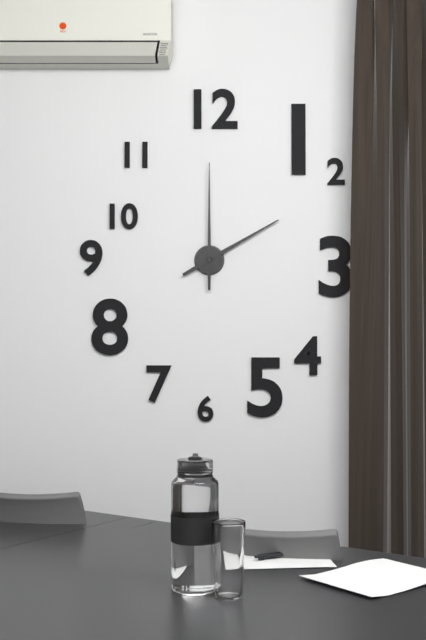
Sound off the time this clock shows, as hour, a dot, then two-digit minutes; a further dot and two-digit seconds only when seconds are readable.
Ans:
2.00
